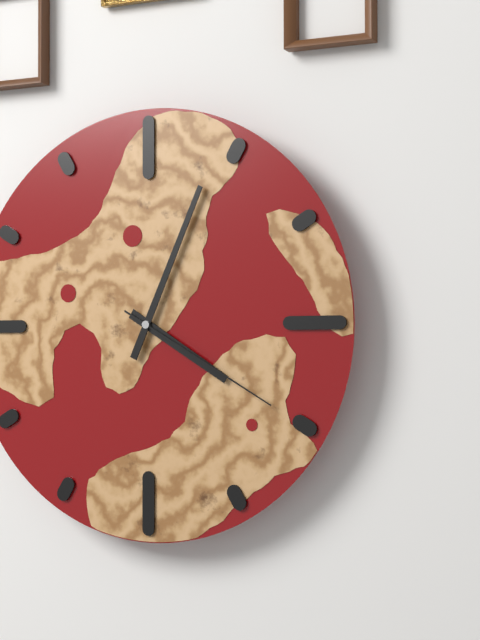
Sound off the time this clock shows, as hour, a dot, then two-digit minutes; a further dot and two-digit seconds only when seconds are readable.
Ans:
4.04.20
